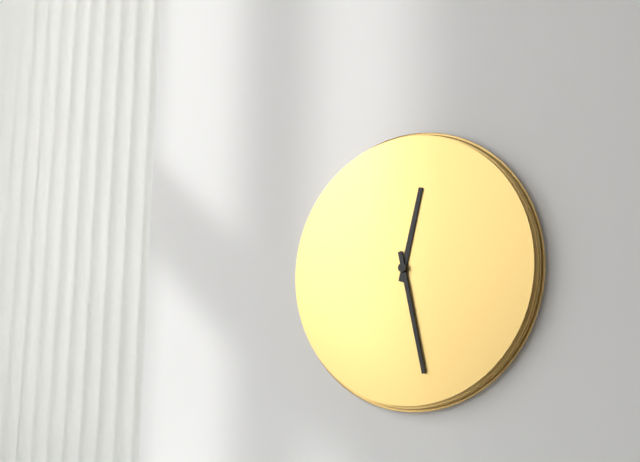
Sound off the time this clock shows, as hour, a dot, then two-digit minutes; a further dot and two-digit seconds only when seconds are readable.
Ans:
12.28
